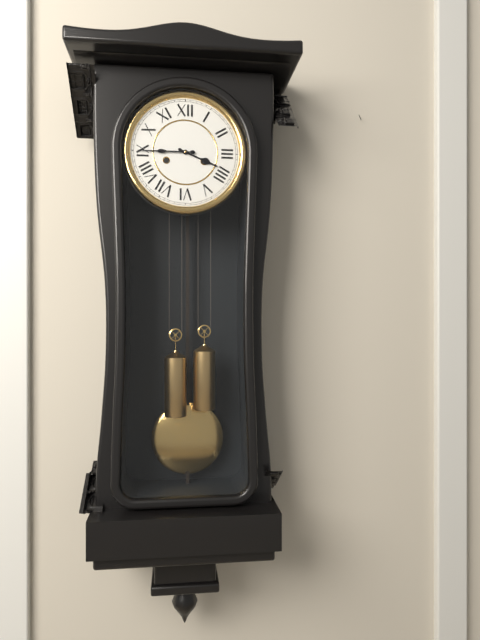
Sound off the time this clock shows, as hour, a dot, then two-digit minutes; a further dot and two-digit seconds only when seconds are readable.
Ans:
3.45
